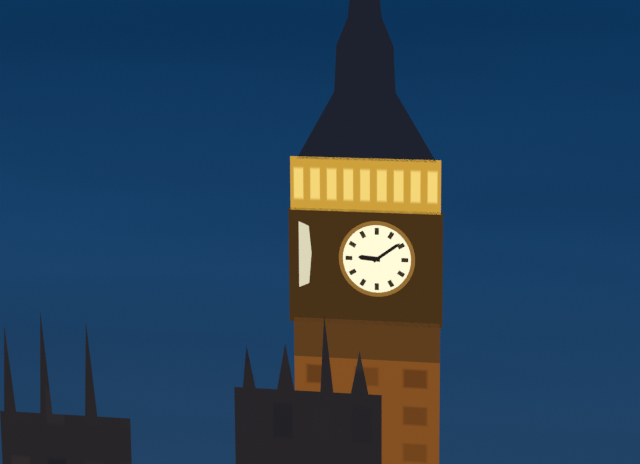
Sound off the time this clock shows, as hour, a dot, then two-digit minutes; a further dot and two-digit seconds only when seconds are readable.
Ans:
9.09
